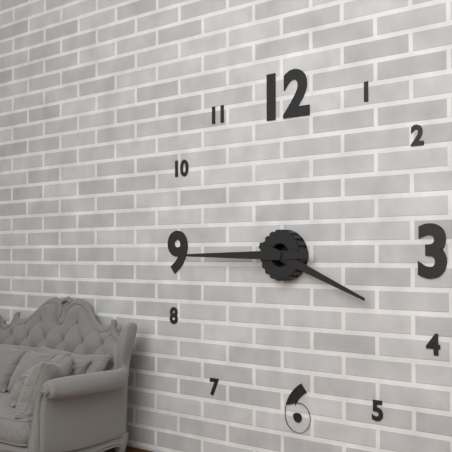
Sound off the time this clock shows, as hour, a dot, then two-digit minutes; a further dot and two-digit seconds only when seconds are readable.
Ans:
3.45
